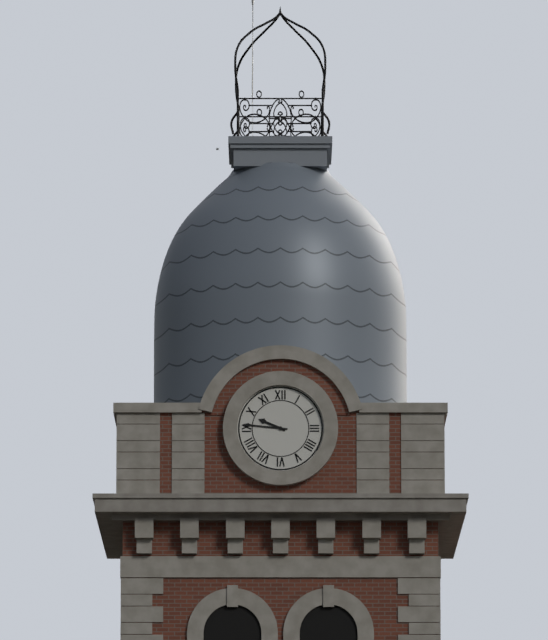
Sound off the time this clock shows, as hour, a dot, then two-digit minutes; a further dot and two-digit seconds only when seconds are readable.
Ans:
9.46
